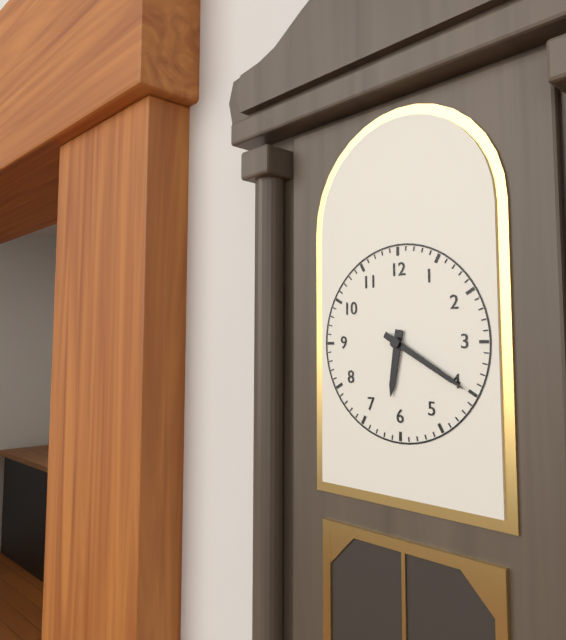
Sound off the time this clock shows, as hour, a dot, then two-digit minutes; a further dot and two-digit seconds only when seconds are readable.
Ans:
6.20
